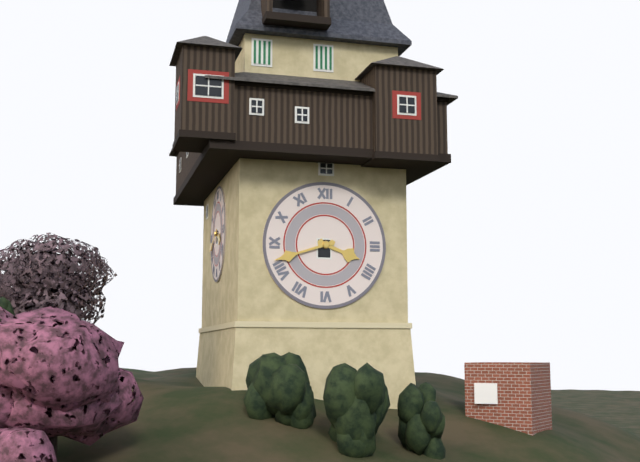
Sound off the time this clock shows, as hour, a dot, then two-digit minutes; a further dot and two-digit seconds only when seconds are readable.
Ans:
3.42
